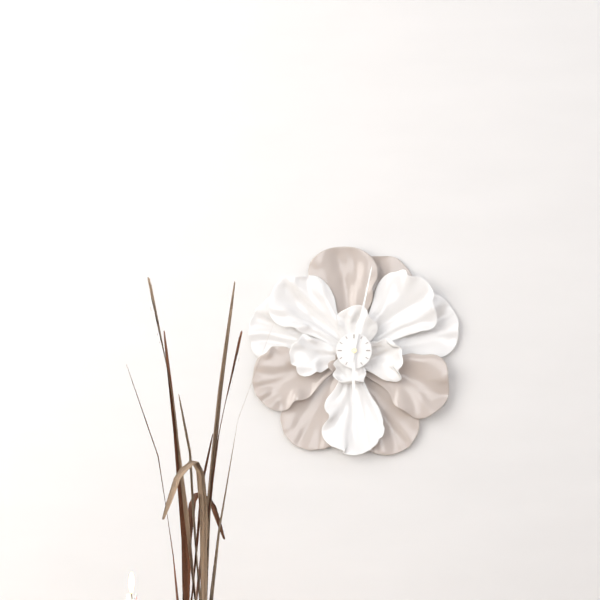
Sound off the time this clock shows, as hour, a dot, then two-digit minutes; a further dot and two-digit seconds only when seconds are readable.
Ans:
6.02
